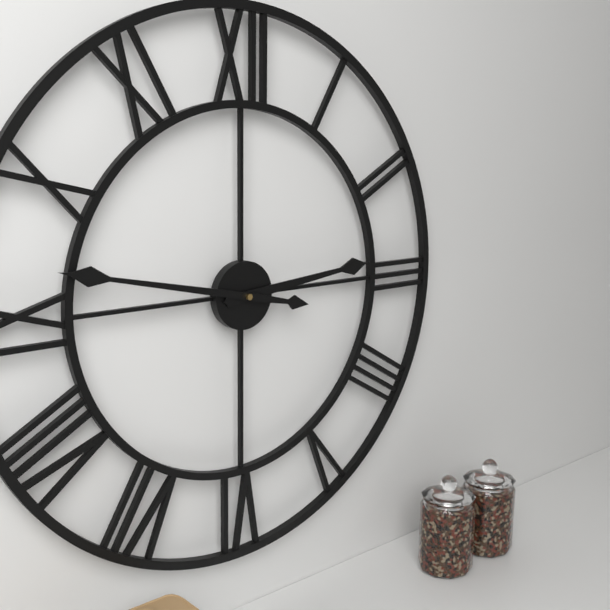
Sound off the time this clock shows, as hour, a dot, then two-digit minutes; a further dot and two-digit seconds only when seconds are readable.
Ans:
2.47
